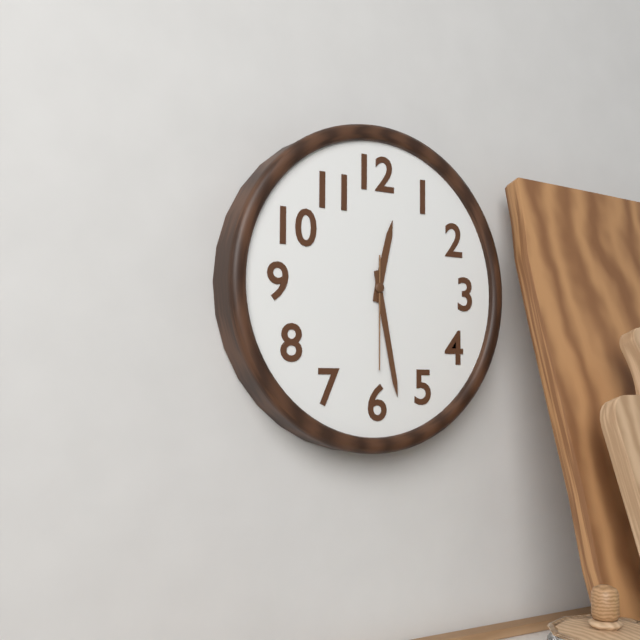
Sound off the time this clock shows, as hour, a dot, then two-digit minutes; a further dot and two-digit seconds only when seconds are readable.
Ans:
12.28.30
